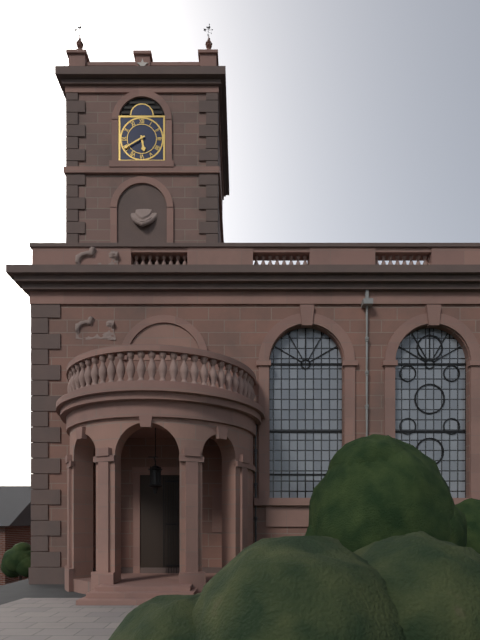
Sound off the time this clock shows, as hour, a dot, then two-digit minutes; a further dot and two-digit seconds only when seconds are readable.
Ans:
5.40
